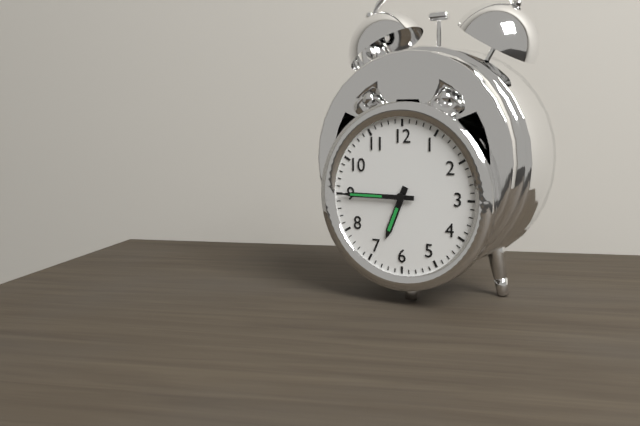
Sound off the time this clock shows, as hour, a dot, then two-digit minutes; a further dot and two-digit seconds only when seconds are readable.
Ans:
6.45
